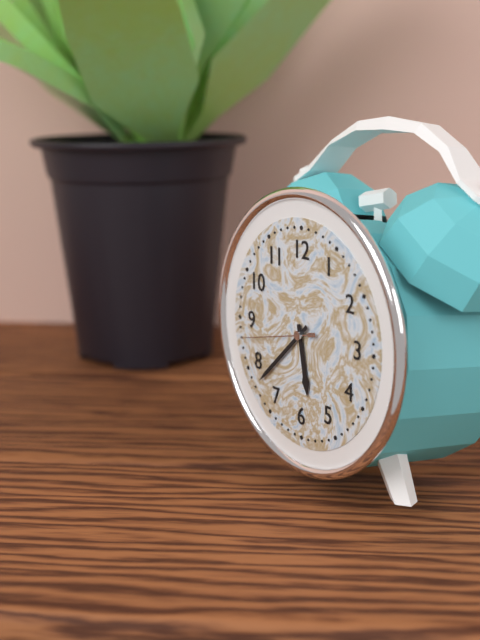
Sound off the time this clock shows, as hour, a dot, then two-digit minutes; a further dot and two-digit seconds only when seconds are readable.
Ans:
5.38.43
